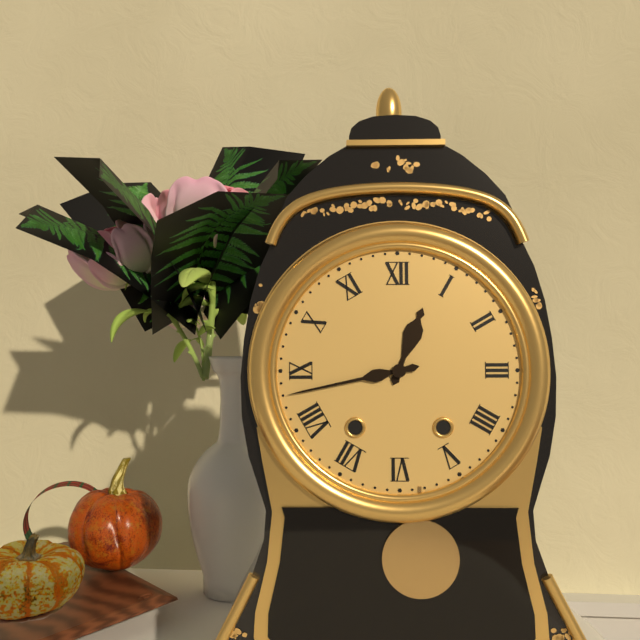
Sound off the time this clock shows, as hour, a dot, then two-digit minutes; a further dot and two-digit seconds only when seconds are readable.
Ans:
12.43
